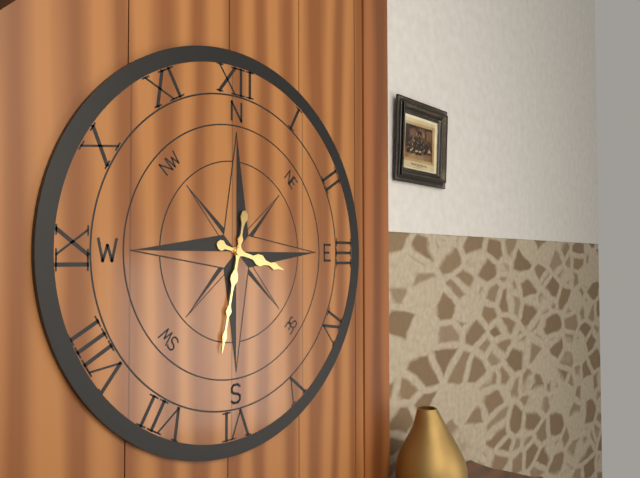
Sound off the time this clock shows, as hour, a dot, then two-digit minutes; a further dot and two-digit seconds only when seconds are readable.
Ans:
3.32
